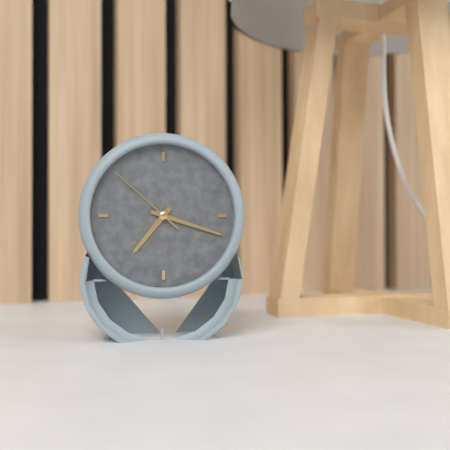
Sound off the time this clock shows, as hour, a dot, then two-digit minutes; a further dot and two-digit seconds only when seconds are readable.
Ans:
7.18.52
